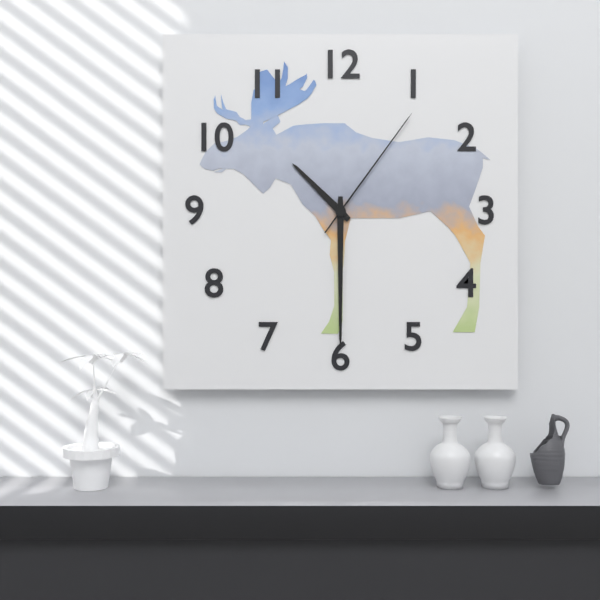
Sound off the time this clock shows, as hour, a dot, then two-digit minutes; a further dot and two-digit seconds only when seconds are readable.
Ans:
10.30.06
